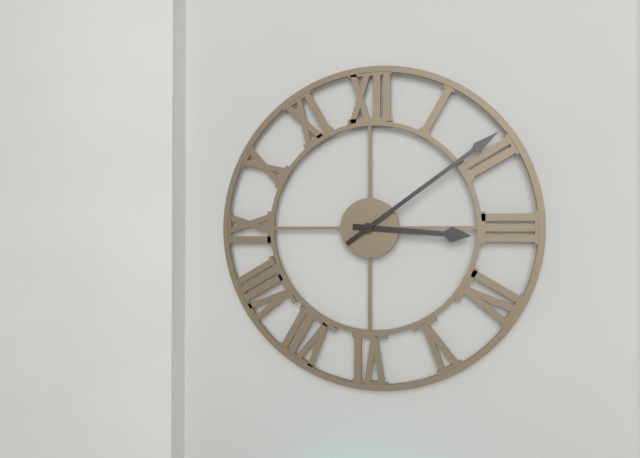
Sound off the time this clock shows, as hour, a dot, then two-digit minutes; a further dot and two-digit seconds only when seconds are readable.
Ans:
3.09
